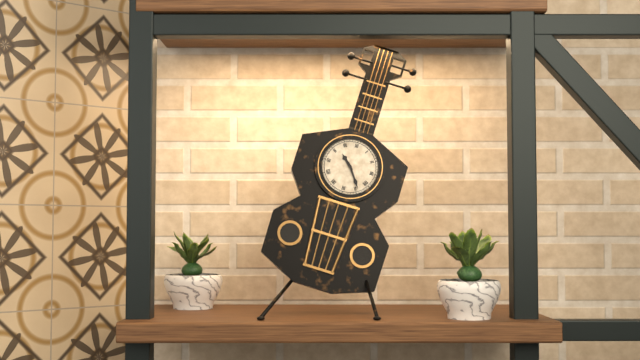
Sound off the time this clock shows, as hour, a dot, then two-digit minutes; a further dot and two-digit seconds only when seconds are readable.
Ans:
10.24
